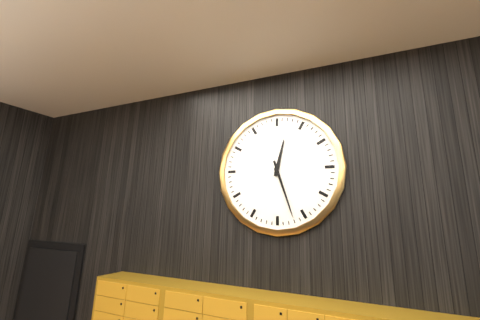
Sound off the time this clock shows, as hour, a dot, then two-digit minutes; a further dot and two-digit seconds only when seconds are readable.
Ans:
12.27
